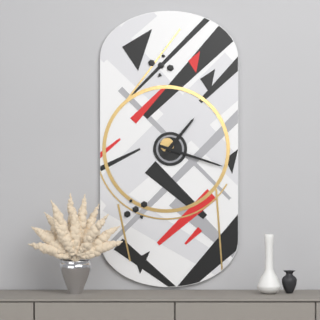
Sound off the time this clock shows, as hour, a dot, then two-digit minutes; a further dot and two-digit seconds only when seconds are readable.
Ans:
1.18
